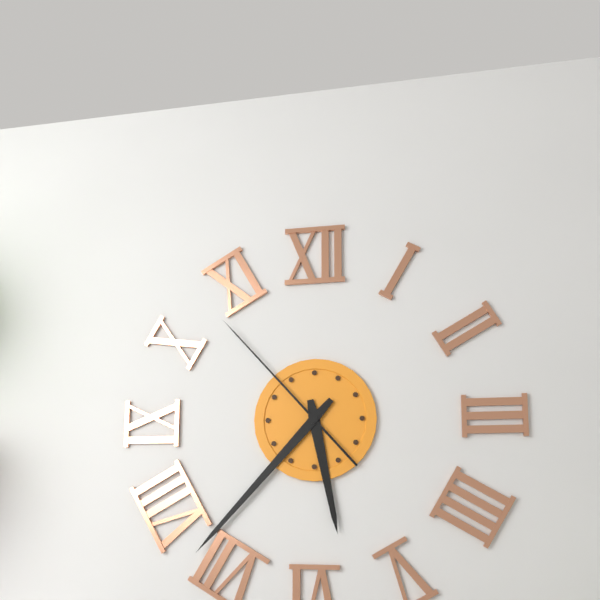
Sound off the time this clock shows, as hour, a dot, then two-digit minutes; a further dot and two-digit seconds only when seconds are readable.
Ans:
5.37.53
